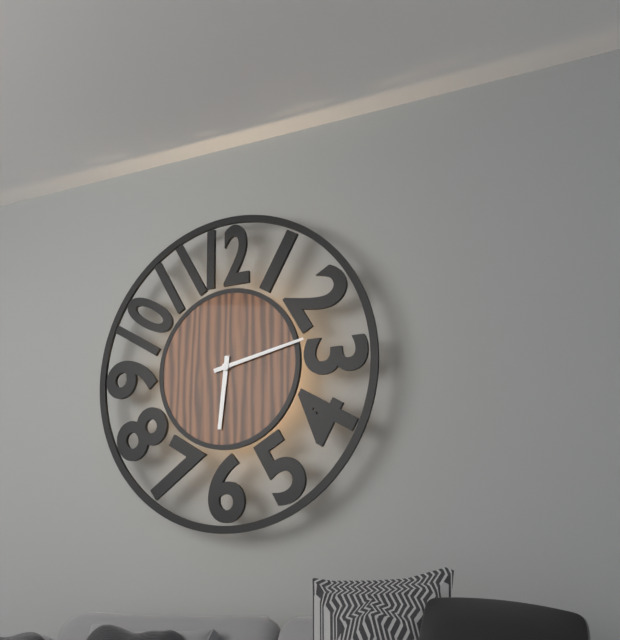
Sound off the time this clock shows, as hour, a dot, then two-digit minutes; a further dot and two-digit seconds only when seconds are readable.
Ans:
6.13
